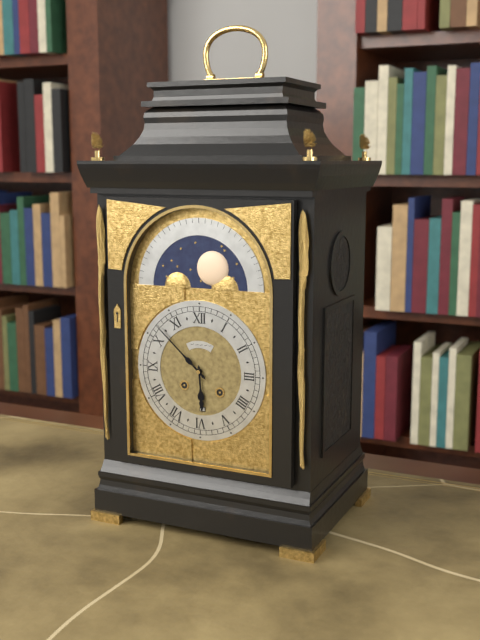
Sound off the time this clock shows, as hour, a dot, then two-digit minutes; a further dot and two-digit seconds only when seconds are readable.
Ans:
5.52
